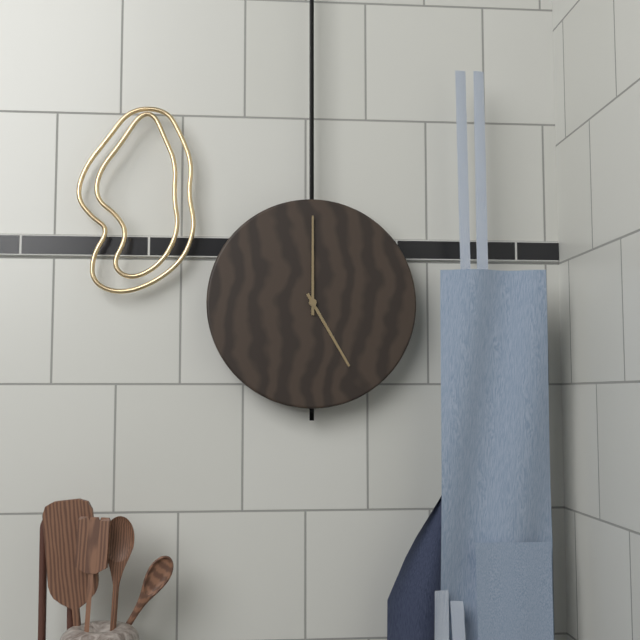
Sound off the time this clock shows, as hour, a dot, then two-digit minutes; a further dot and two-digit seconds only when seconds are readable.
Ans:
5.00
